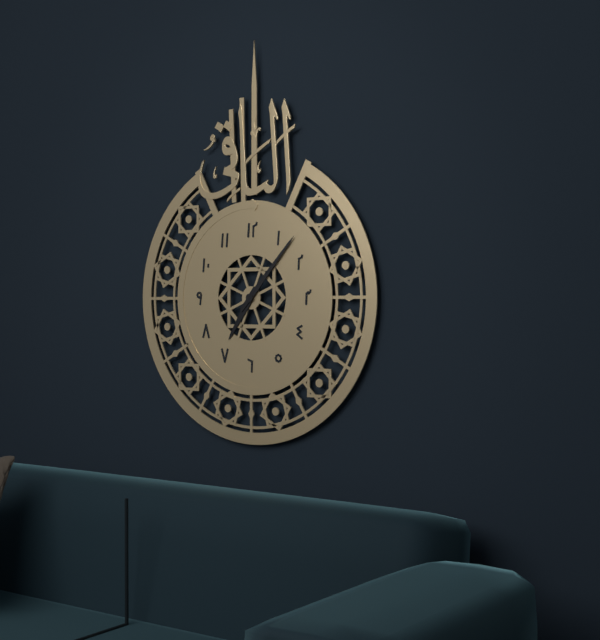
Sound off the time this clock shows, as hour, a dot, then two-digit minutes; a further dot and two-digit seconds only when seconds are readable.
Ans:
7.07
